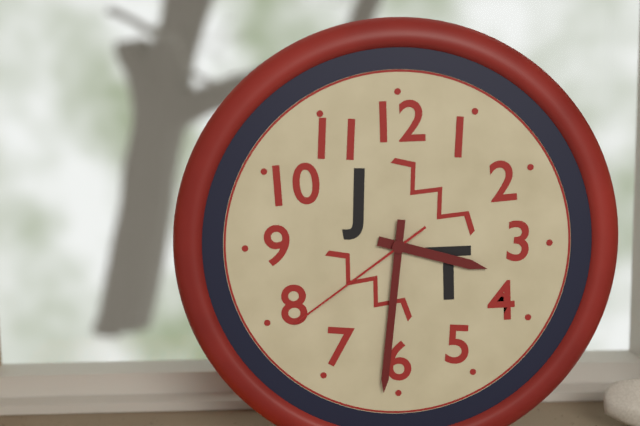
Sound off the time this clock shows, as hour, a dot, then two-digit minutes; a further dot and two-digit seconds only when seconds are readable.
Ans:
3.31.39
